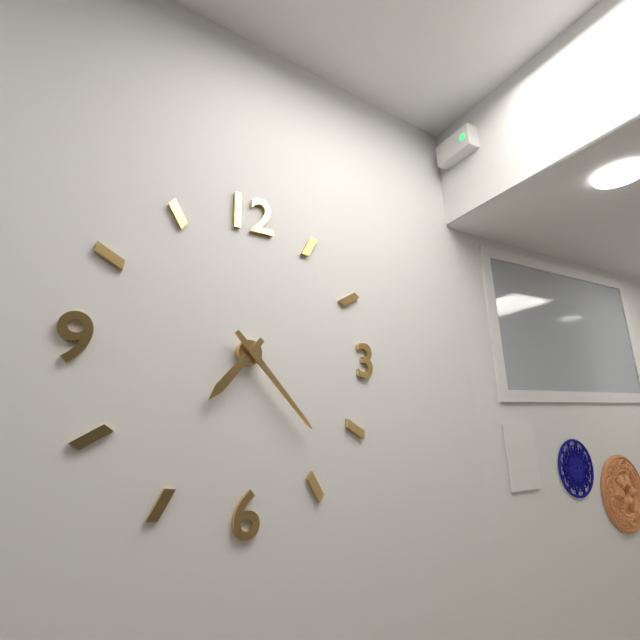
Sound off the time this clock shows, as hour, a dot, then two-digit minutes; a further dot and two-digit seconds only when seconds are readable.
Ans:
7.23
